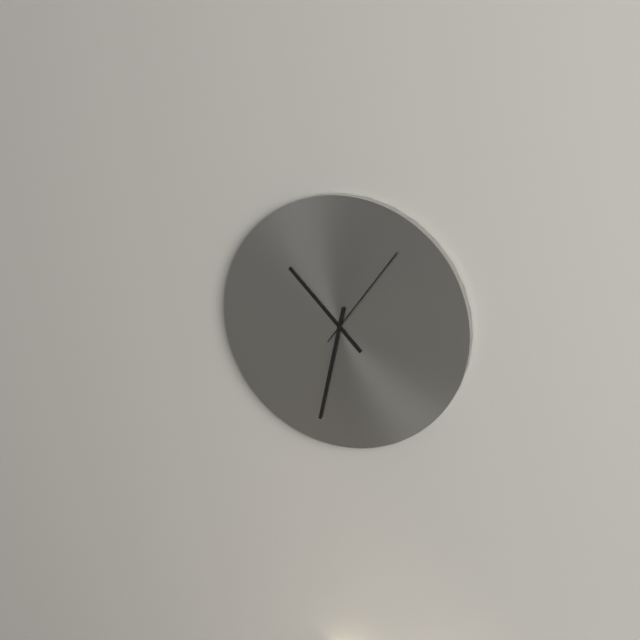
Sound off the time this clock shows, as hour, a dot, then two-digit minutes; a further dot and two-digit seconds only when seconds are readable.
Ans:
10.32.06
